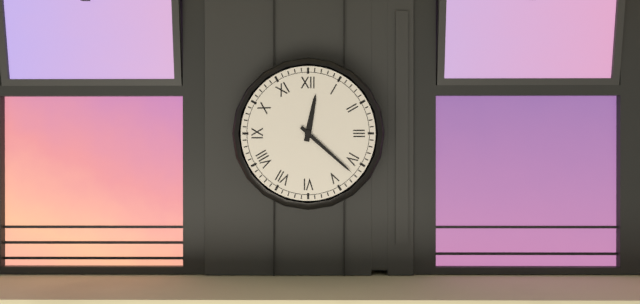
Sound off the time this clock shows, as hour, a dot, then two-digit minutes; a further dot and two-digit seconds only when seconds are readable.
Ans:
12.22
